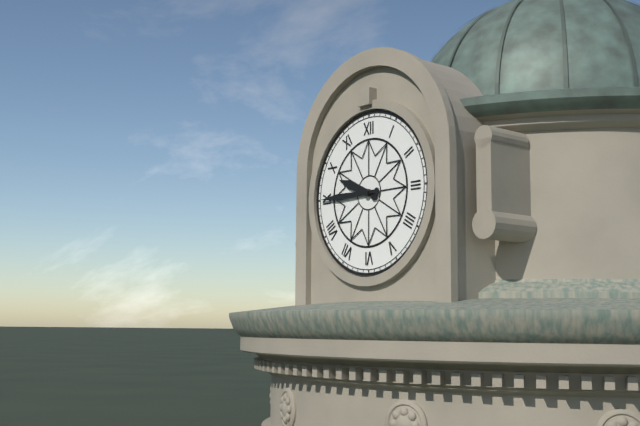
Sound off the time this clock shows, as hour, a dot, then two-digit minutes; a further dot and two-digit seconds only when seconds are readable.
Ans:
9.45
